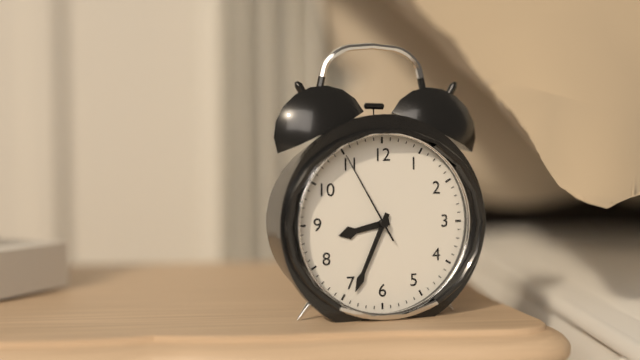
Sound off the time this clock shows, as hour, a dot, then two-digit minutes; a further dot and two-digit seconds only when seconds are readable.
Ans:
8.34.55
